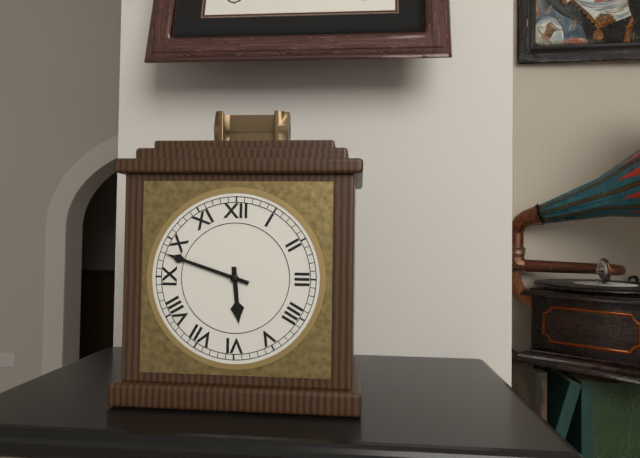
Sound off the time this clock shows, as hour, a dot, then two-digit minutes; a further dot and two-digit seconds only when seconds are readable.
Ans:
5.48
